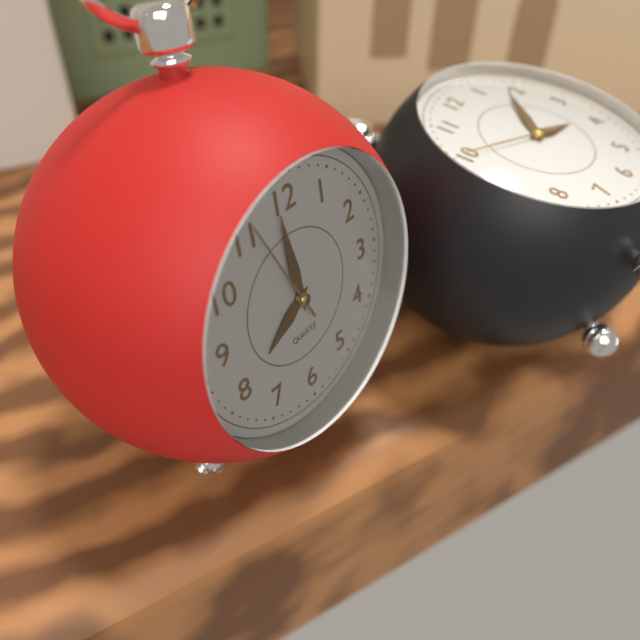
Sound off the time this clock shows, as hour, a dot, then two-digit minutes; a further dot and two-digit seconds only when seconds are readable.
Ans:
7.59.56
